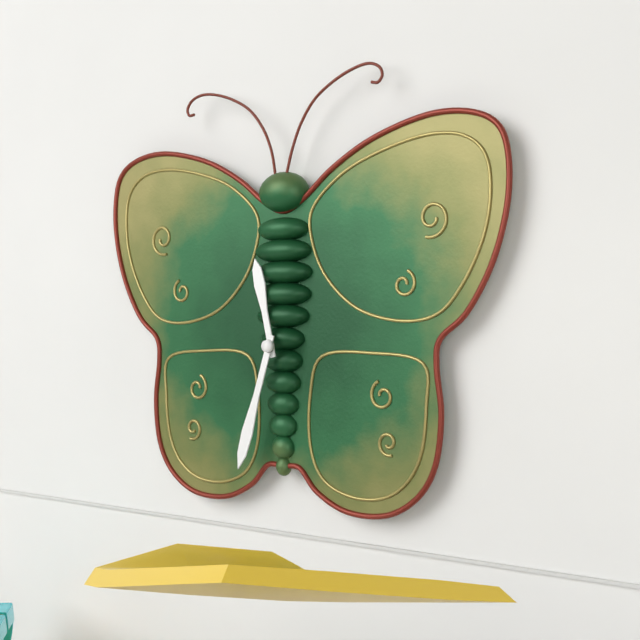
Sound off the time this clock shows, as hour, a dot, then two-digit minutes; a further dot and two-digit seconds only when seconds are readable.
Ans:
11.33
